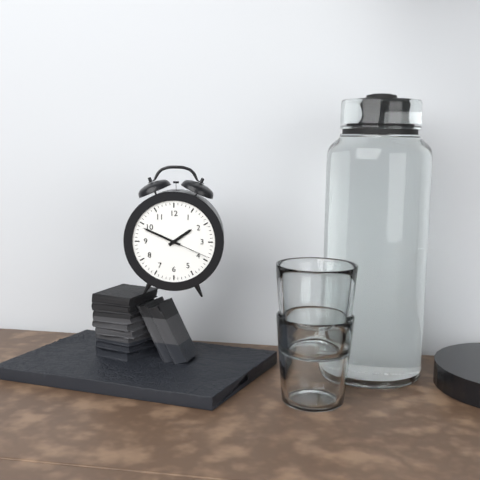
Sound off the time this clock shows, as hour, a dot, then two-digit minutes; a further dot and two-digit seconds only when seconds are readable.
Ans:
1.49
